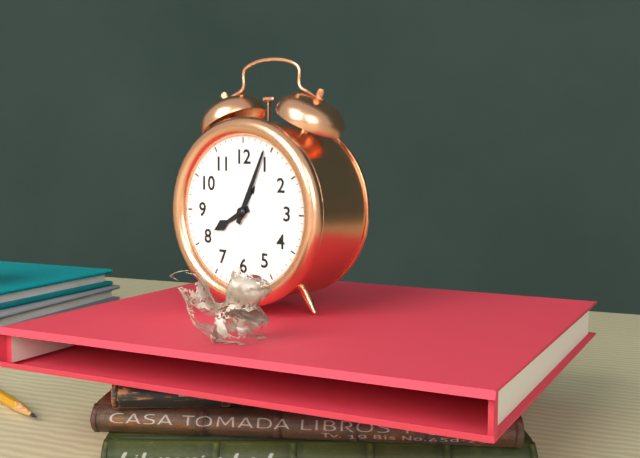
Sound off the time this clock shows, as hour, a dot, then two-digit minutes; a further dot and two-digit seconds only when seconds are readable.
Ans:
8.04
